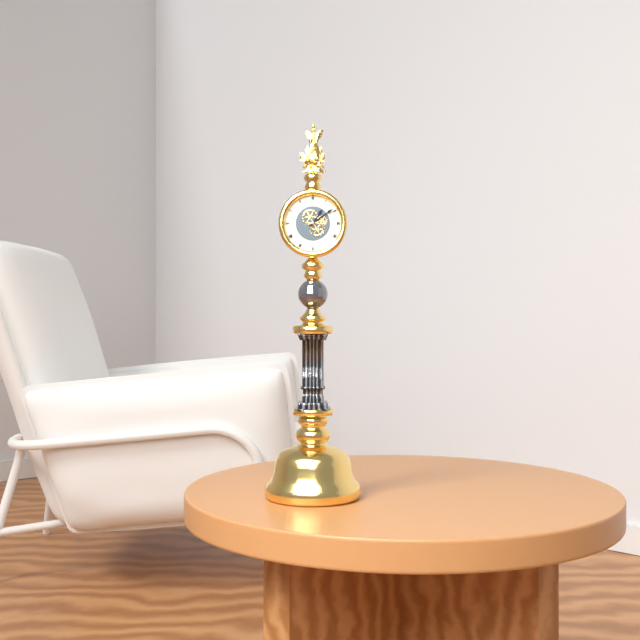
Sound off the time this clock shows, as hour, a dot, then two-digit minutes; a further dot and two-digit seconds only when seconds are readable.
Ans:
1.09
